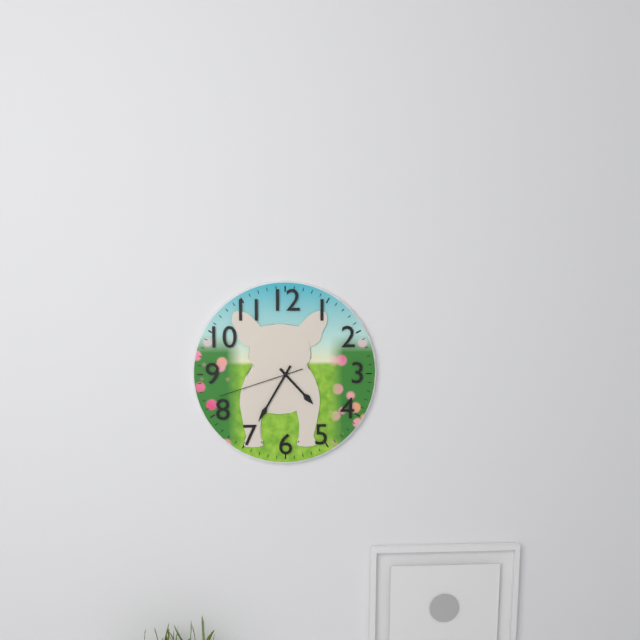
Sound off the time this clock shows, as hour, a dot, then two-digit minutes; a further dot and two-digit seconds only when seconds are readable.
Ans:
4.35.42
